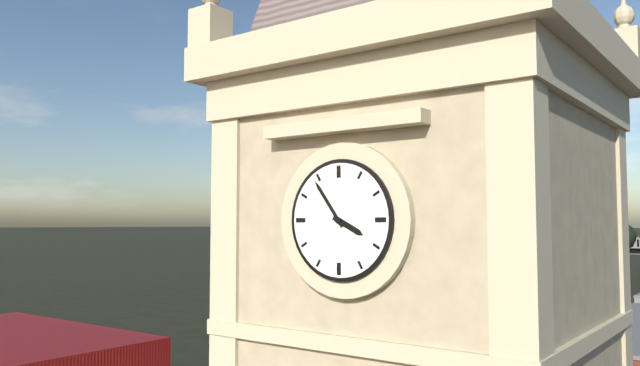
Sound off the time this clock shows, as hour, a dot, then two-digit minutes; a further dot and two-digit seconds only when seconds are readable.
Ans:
3.54
